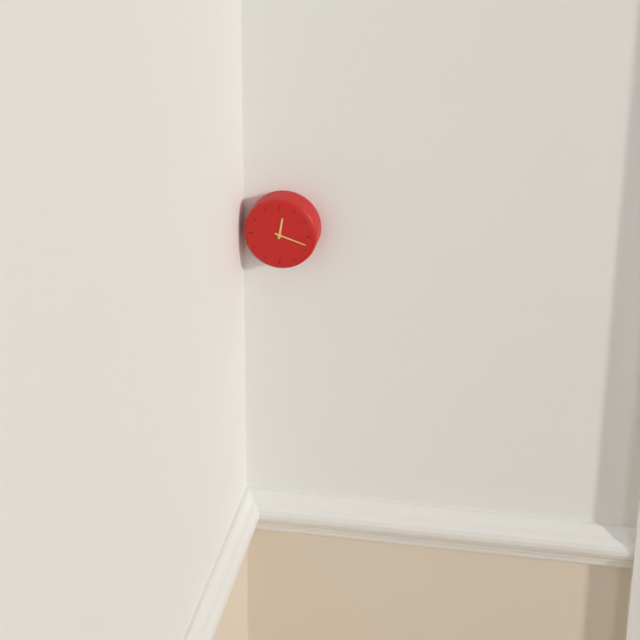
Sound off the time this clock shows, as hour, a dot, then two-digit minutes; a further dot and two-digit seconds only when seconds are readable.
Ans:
12.18
